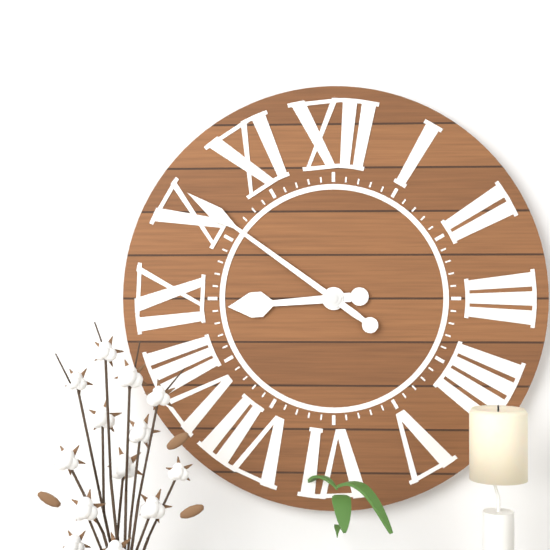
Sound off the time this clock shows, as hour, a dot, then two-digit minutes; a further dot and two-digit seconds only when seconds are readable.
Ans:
8.51
